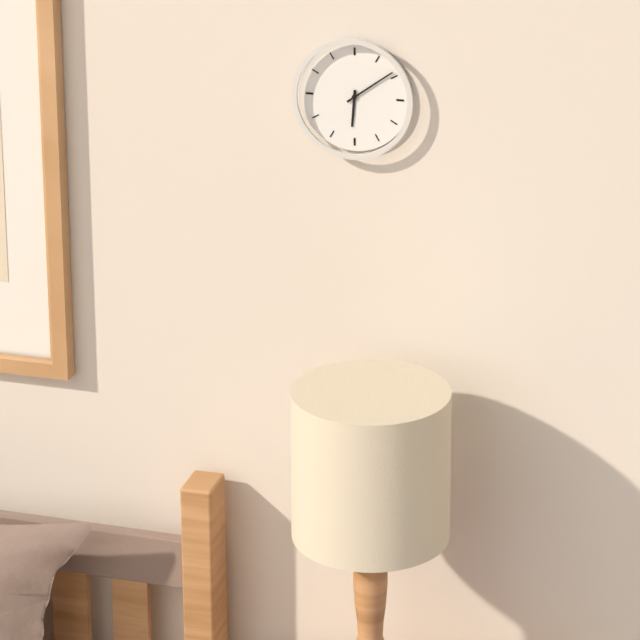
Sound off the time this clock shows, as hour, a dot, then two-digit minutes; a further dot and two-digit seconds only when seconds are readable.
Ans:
6.09
